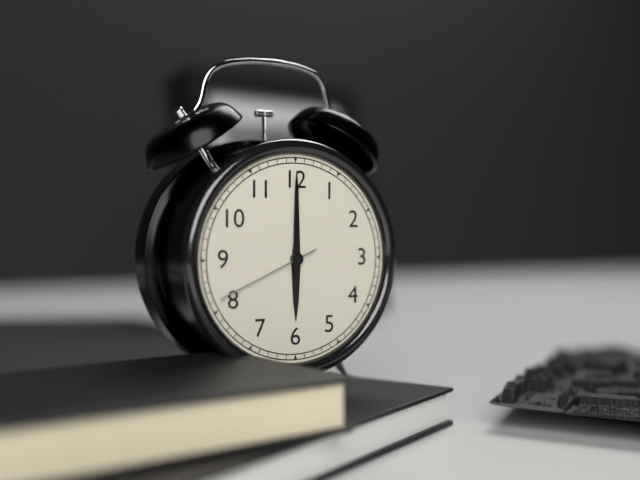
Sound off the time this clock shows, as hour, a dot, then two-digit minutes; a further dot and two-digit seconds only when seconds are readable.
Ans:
6.00.41
